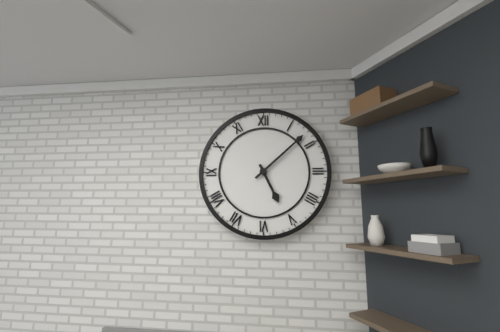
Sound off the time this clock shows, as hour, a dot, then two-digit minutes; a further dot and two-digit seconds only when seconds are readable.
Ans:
5.08
